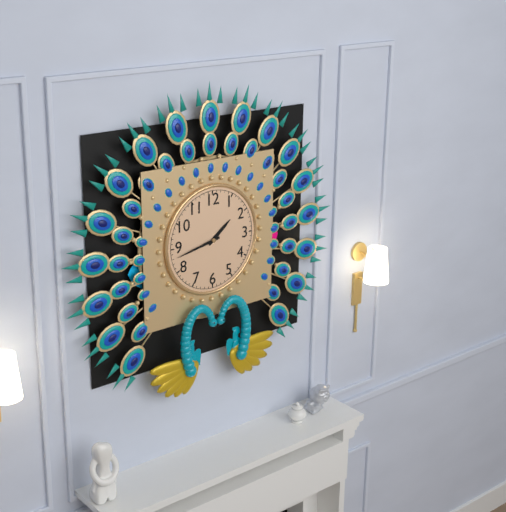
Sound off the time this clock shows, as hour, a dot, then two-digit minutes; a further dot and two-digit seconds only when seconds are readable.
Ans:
1.43
